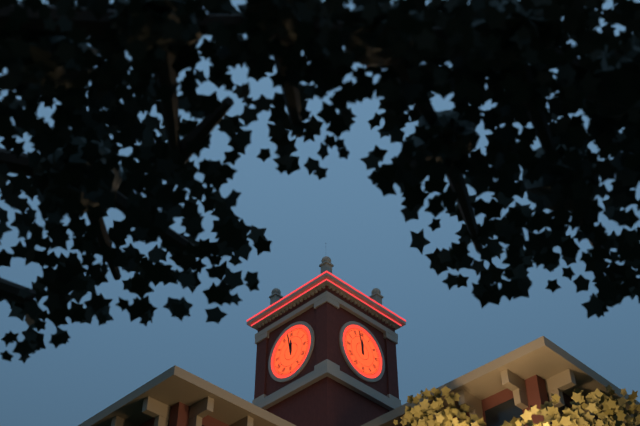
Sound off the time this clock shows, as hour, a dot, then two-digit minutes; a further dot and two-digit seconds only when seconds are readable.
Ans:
11.58
